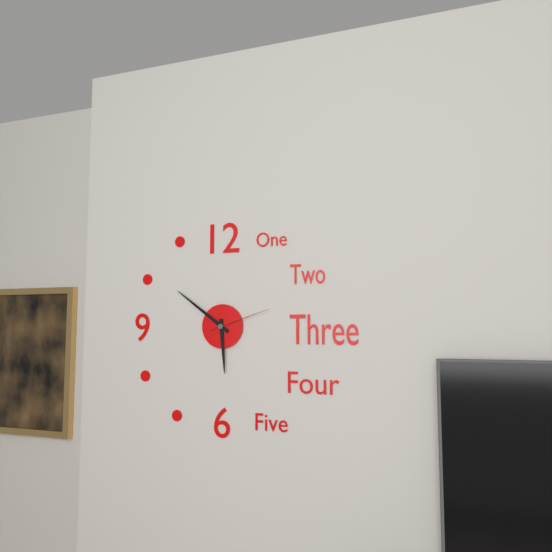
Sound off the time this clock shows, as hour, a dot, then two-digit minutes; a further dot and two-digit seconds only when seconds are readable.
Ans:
5.51.12
